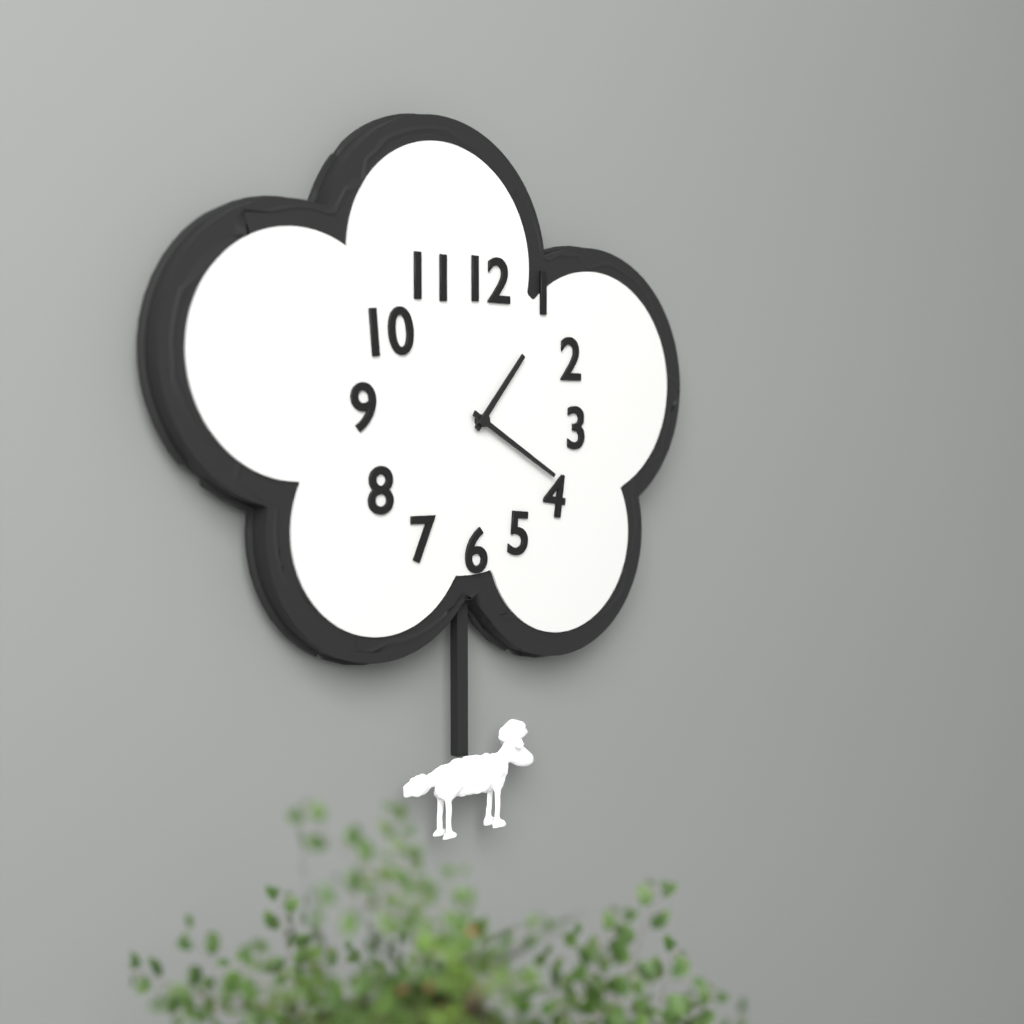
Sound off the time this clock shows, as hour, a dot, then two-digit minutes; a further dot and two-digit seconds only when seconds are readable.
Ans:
1.20
